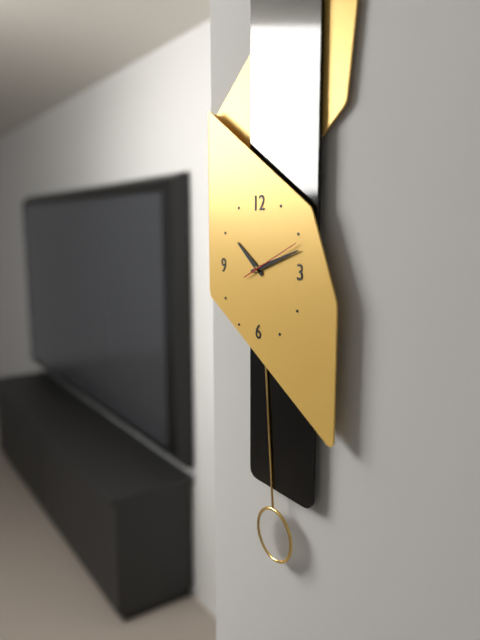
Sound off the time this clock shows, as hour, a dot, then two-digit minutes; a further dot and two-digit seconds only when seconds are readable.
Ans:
10.12.11
